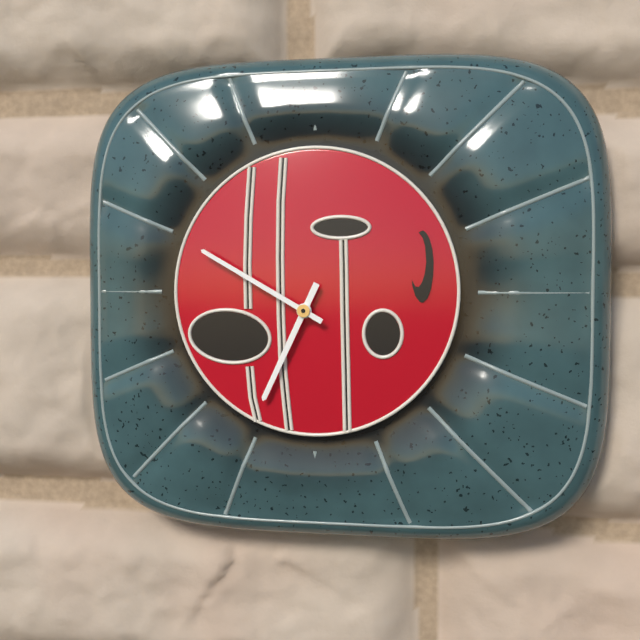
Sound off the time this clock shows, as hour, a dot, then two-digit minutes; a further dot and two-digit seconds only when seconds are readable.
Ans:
6.50
